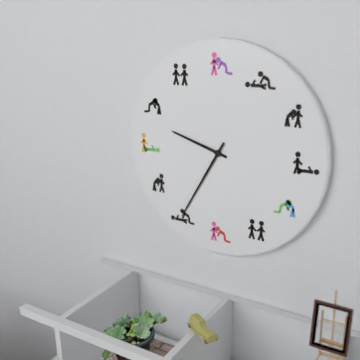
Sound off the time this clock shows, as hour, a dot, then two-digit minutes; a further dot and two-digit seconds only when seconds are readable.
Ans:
9.35
